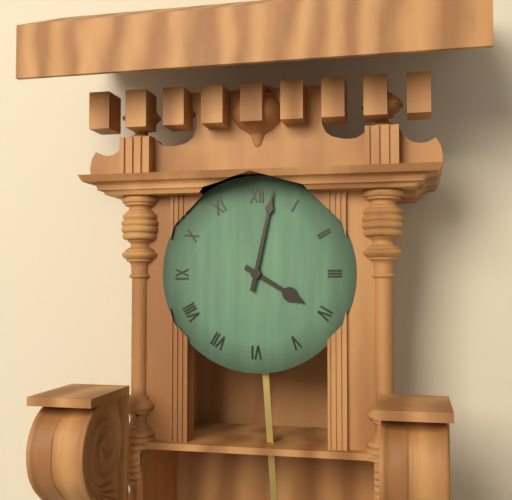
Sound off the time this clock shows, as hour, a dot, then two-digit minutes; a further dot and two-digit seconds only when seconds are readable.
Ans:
4.02
